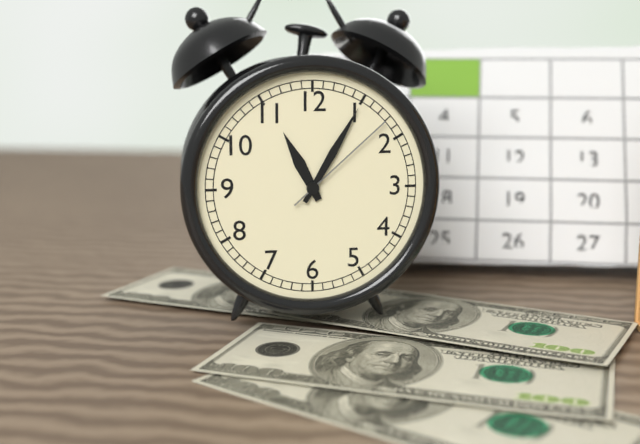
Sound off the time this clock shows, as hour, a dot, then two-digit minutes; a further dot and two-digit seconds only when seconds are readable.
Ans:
11.05.08
